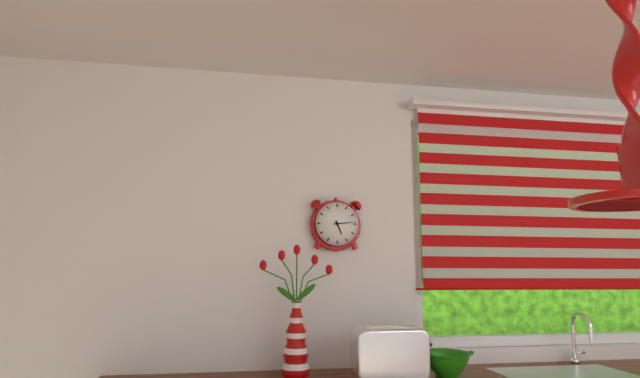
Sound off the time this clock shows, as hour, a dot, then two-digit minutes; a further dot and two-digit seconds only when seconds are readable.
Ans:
5.14
